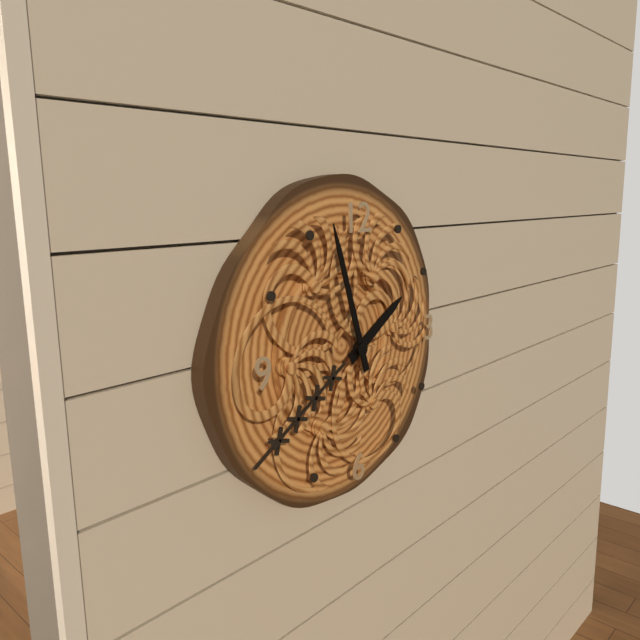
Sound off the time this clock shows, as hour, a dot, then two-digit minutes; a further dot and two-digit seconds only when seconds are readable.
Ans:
1.57
